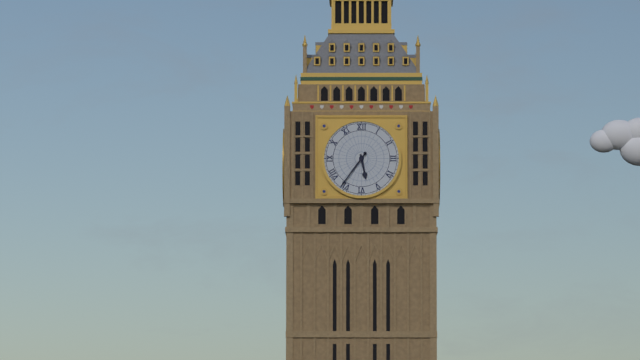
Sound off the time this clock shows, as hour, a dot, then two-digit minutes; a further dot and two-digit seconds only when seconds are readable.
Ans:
5.36
